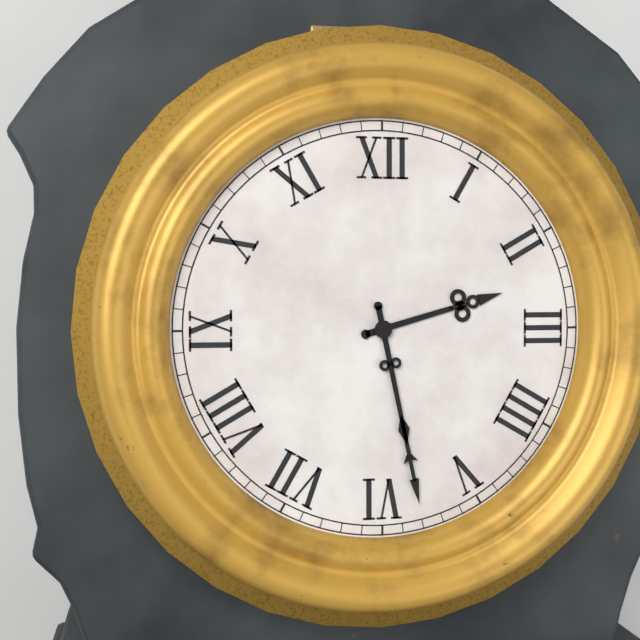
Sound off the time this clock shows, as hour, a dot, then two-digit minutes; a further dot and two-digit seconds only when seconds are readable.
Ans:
2.28
